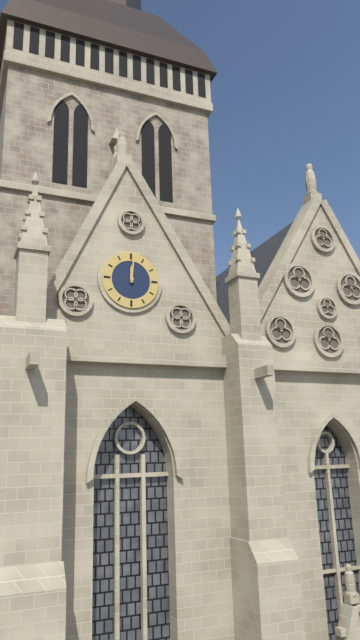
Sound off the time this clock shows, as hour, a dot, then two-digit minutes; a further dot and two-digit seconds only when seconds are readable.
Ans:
12.01
